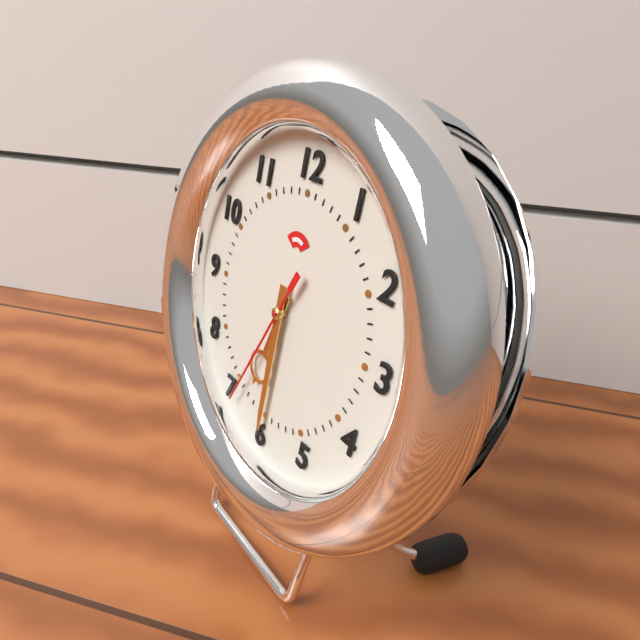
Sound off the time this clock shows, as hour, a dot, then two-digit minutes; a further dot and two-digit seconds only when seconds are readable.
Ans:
6.30.34
